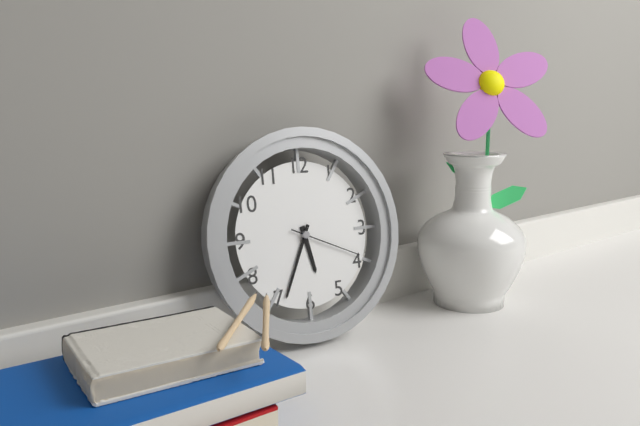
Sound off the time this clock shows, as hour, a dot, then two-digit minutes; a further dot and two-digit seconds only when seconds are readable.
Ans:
5.34.19
